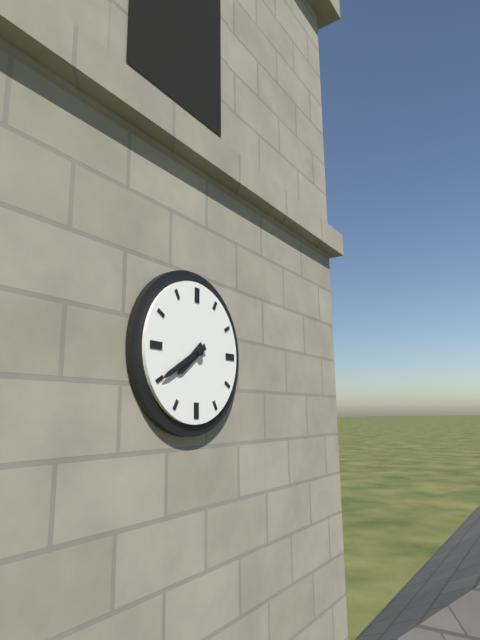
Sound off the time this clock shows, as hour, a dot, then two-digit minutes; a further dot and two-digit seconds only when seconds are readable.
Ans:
7.40
